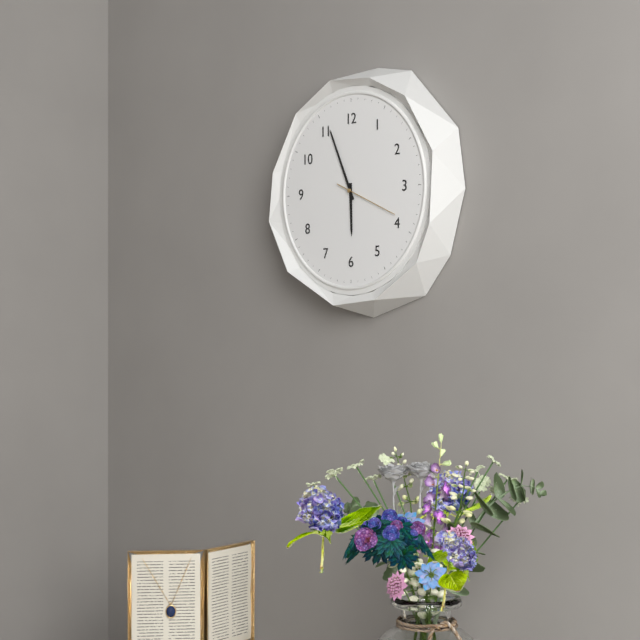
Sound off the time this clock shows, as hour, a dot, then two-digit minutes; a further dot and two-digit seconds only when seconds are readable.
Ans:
5.56.19
